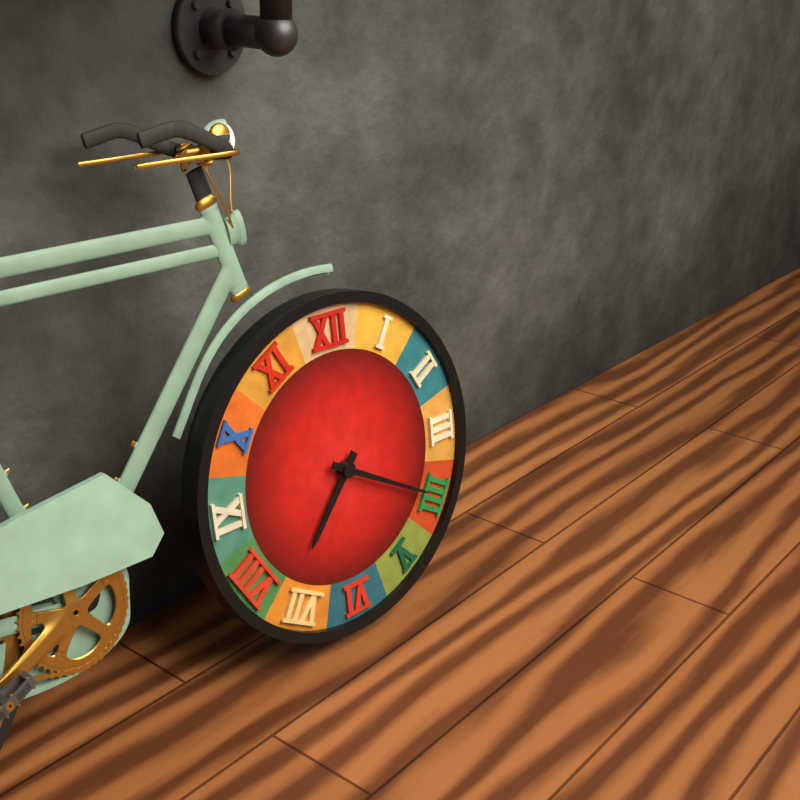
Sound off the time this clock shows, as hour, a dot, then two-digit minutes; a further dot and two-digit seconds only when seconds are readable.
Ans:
7.20
